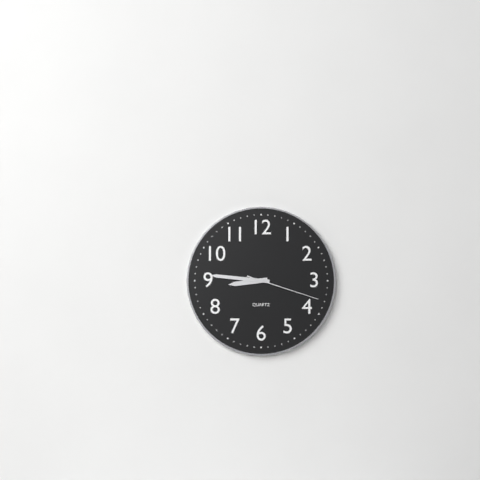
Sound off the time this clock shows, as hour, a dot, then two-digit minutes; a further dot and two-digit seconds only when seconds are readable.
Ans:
8.46.18
